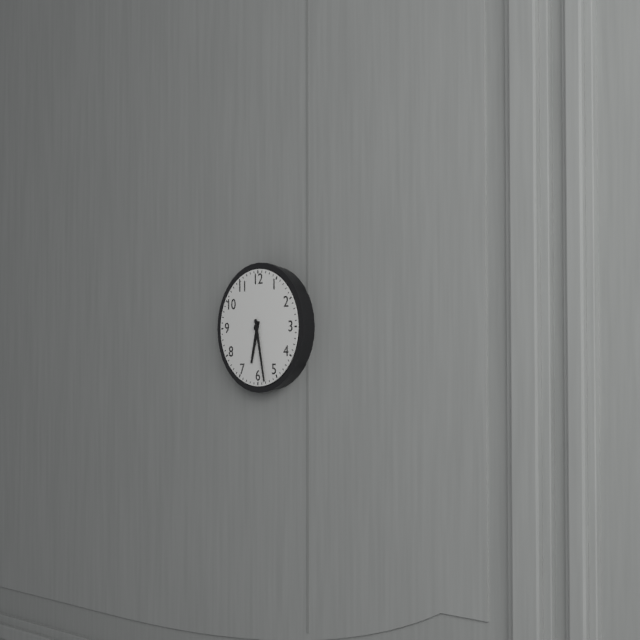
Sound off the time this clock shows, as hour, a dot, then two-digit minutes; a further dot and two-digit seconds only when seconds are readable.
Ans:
6.28
